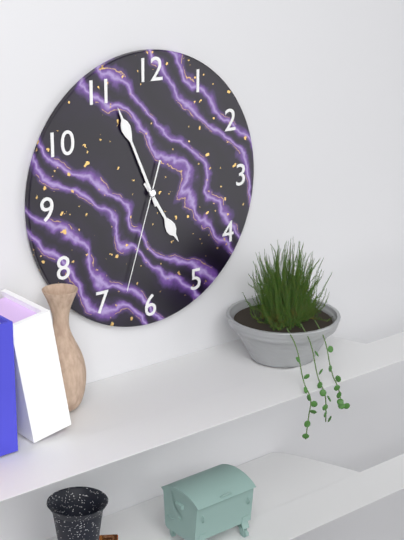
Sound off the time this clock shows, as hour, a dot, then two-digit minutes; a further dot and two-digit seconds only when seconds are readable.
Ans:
4.56.33
